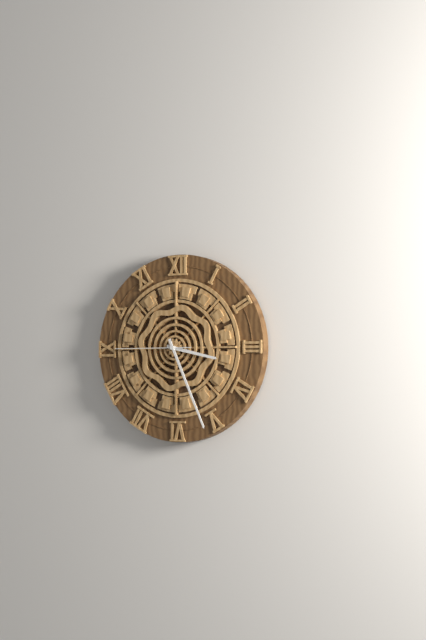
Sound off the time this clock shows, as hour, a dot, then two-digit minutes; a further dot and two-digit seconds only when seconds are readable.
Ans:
3.26.45
